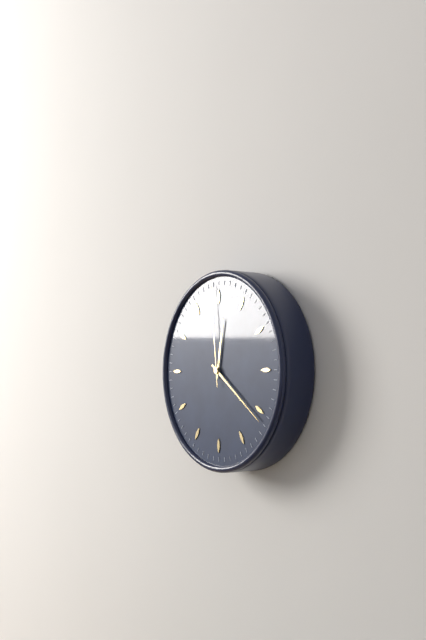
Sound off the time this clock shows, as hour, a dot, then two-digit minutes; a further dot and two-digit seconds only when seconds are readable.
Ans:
12.21.59
